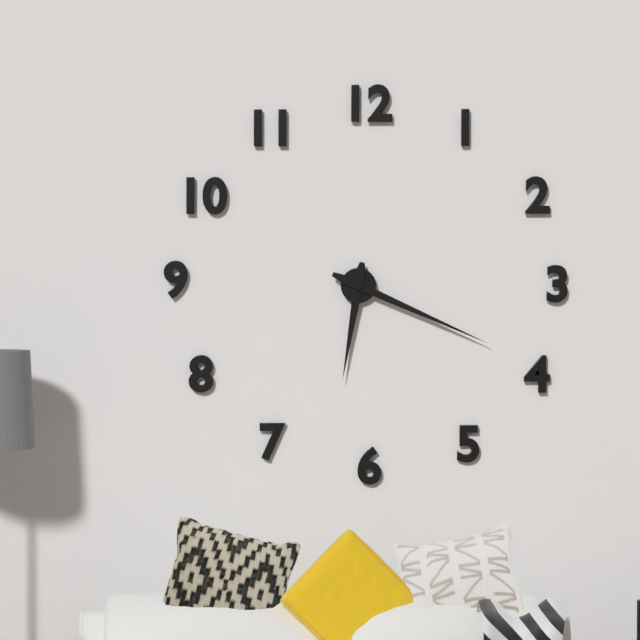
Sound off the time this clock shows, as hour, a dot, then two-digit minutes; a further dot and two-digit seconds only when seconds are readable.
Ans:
6.19
